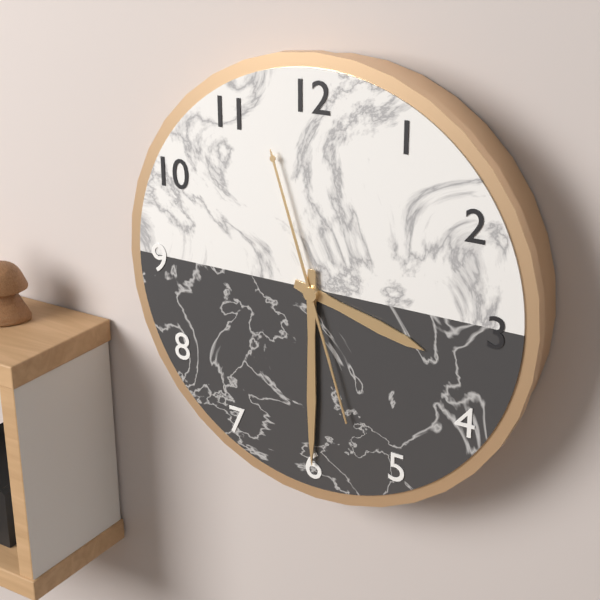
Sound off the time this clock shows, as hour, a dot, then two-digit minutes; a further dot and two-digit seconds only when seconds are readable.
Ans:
3.30.57
